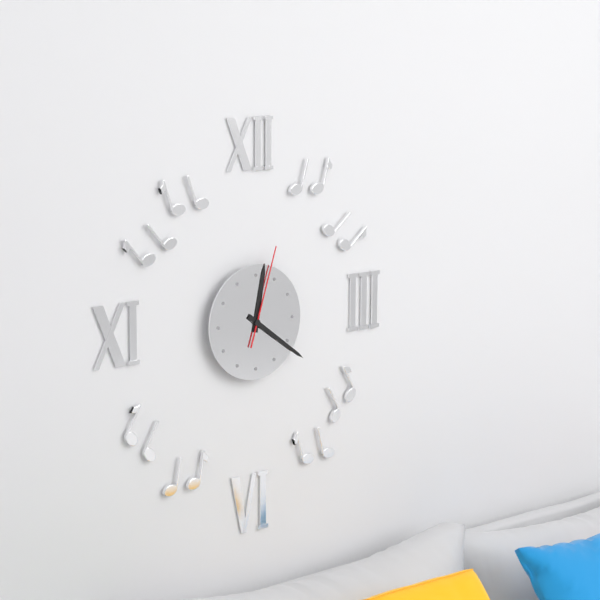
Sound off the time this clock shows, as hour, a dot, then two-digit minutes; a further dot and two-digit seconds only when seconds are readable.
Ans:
12.21.03
